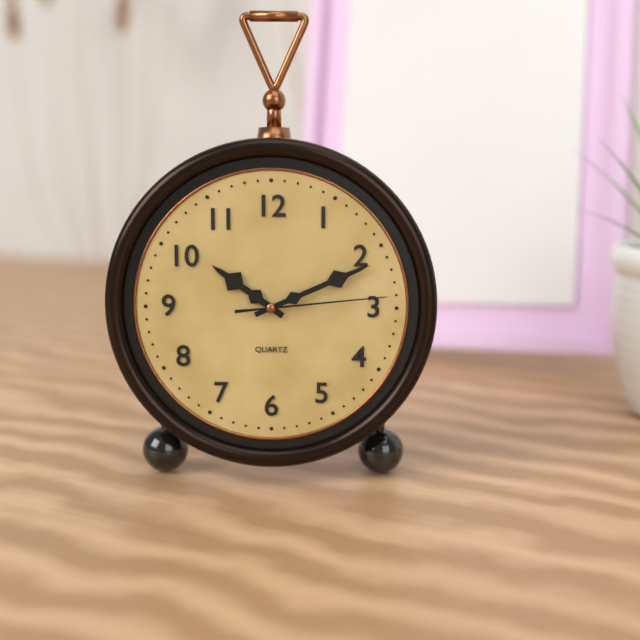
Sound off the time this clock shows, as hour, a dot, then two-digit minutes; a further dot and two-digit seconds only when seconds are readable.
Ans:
10.11.14
